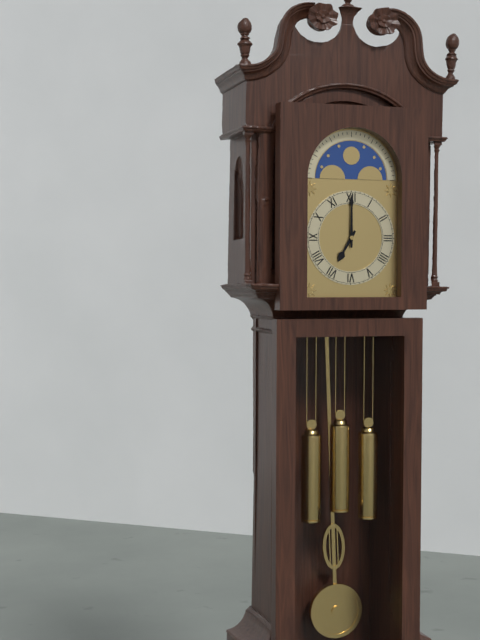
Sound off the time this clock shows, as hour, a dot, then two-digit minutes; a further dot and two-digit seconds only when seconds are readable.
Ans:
7.00
